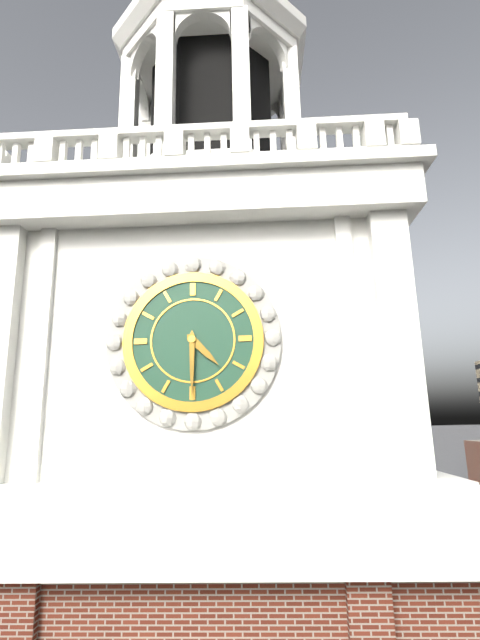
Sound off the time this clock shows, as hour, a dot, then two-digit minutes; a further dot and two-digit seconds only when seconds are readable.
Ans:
4.30
